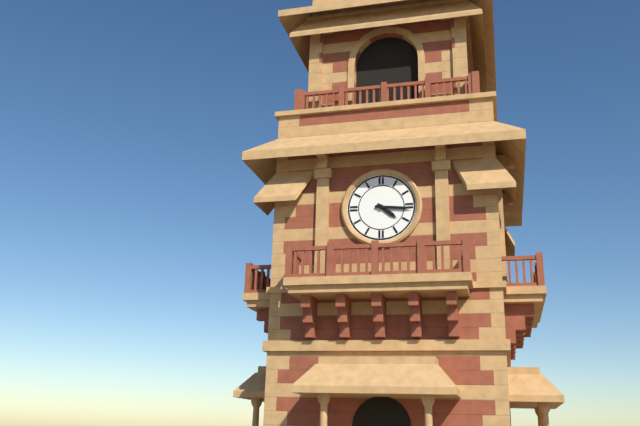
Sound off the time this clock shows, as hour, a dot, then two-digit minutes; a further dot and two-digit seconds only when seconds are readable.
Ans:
4.16
